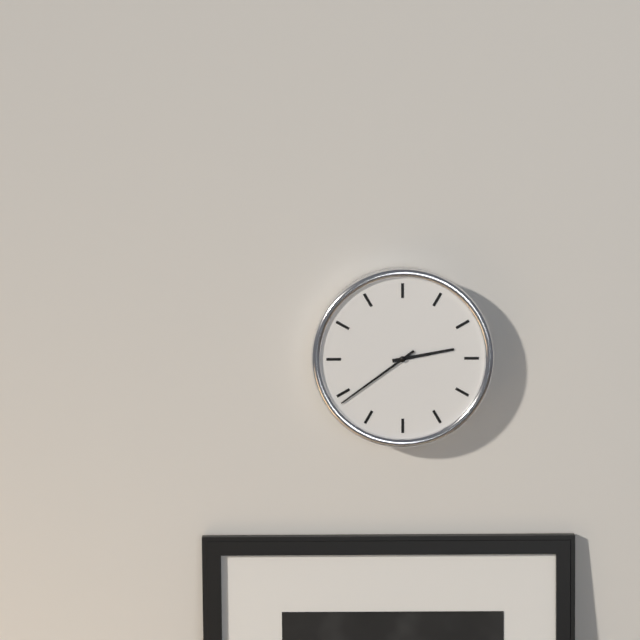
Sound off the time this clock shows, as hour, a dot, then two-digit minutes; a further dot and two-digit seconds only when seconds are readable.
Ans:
2.39
